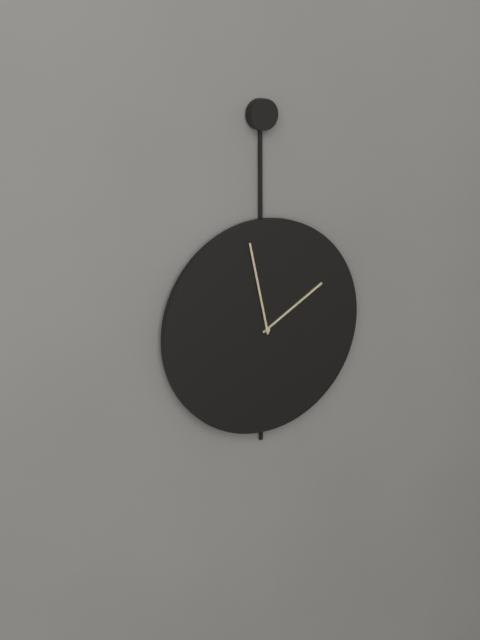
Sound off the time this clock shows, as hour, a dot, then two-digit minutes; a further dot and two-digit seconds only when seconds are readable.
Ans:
1.58
